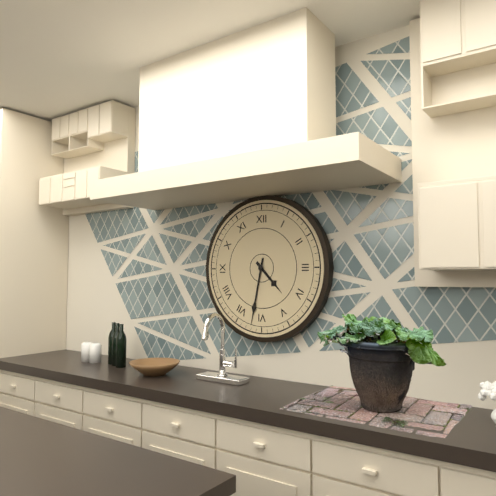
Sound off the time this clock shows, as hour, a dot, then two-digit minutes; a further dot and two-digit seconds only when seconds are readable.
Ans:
4.32
